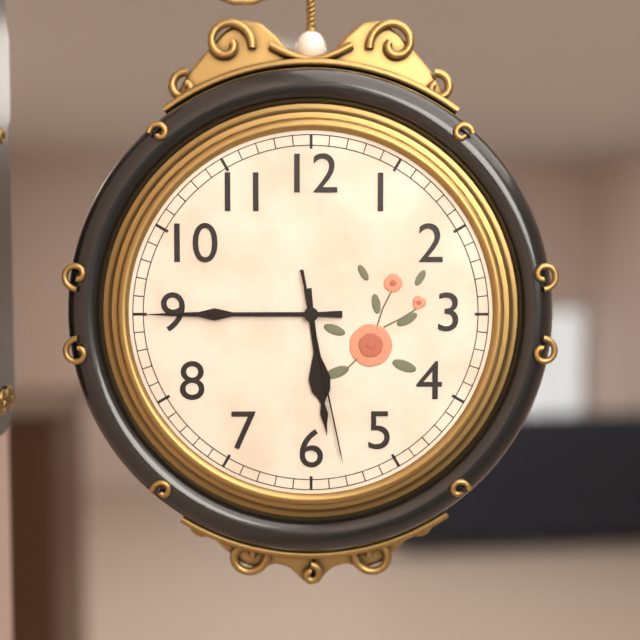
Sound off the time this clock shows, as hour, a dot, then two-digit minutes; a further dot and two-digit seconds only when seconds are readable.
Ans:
5.45.28
